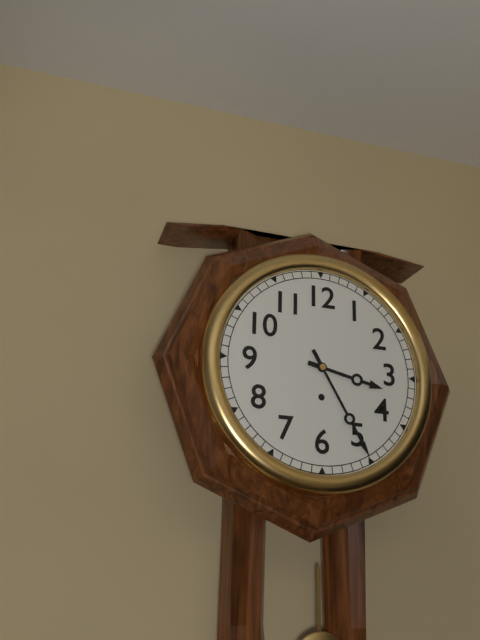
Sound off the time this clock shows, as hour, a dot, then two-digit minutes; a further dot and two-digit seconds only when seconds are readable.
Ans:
3.25
